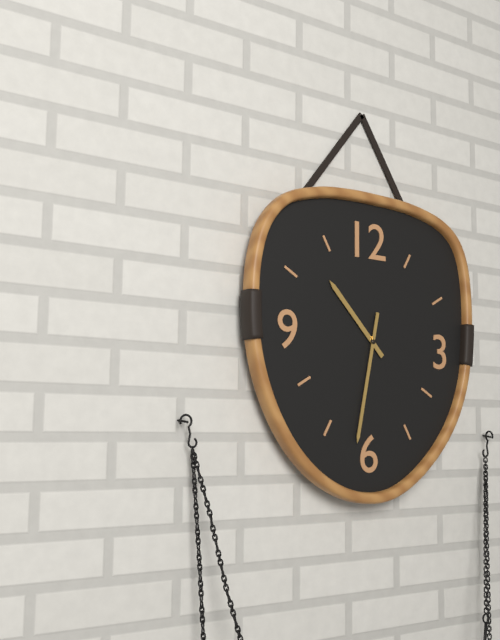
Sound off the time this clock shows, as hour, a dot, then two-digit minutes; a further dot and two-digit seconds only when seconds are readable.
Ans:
10.32
